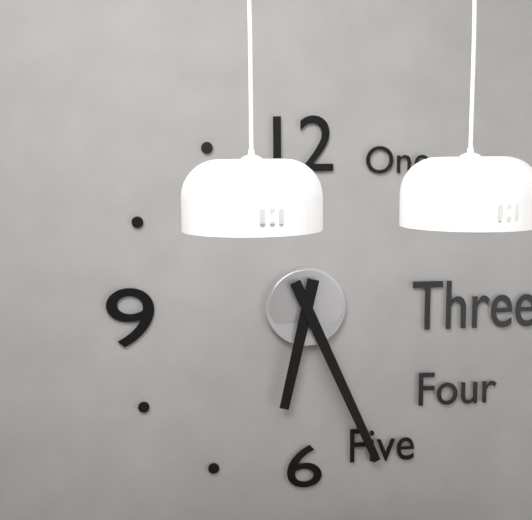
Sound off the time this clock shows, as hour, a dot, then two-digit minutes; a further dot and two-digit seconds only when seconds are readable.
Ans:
6.26
